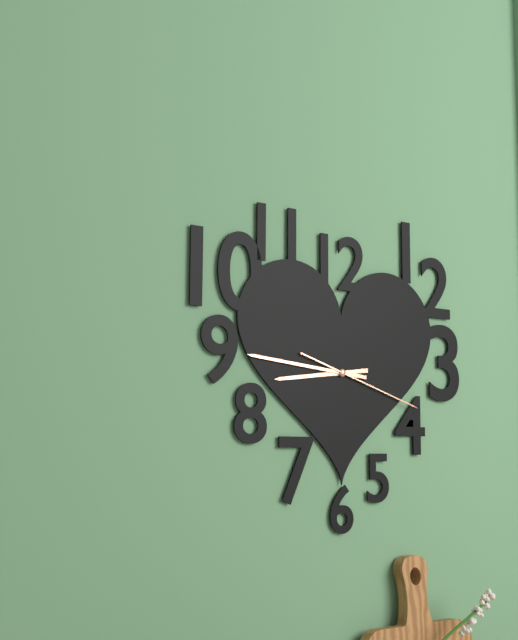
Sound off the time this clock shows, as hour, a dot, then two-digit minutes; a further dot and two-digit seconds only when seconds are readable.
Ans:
8.46.18
